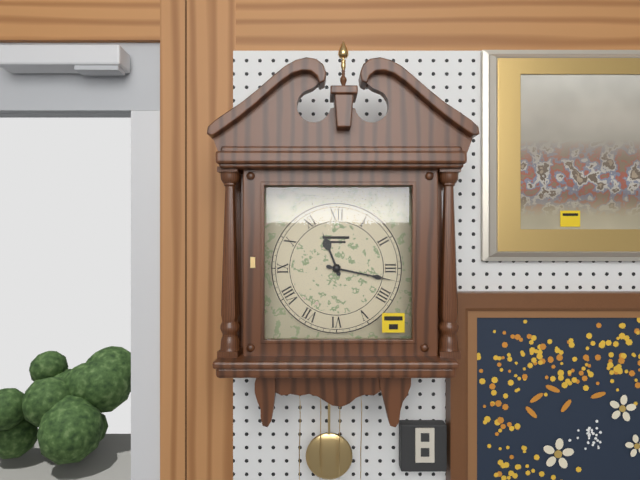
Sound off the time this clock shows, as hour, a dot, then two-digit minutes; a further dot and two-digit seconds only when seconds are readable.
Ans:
11.17
